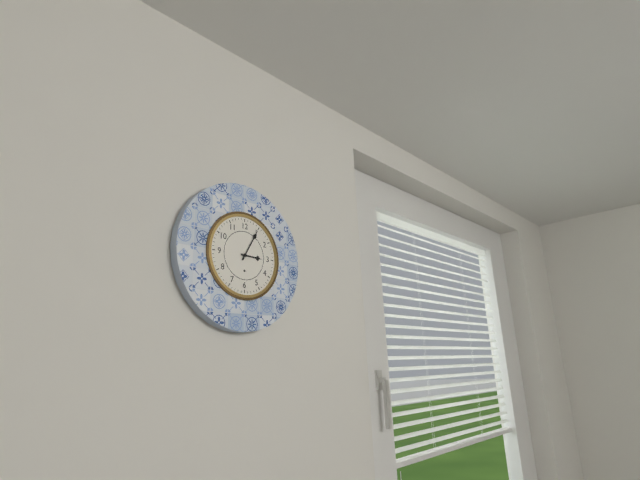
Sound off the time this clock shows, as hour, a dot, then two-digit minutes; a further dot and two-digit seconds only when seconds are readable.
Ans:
3.05
